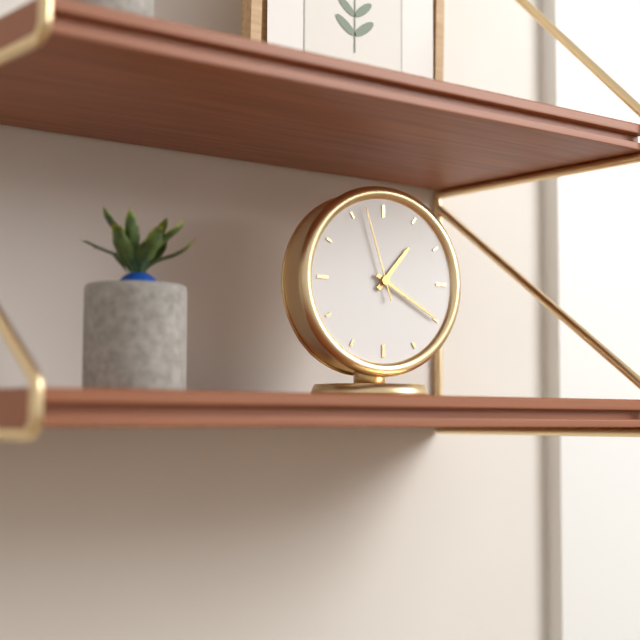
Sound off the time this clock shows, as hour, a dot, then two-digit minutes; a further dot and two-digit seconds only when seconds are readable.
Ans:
1.20.57
